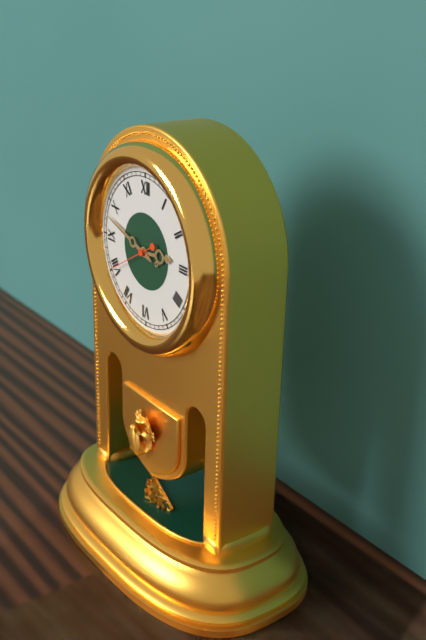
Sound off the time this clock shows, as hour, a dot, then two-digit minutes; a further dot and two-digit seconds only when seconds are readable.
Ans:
2.48
